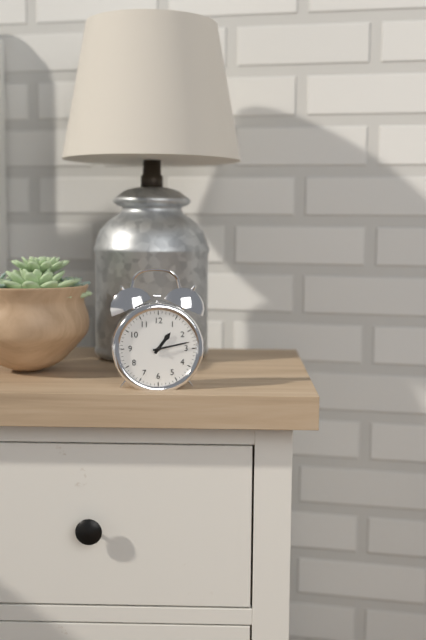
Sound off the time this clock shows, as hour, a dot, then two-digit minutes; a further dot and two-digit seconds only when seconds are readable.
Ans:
1.13
